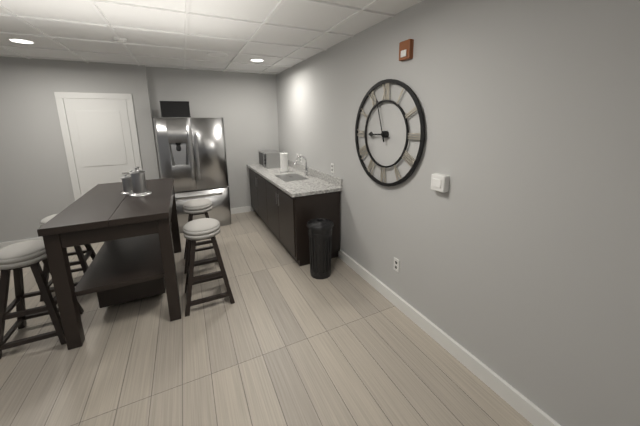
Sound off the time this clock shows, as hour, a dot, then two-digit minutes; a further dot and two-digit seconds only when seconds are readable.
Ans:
8.57
